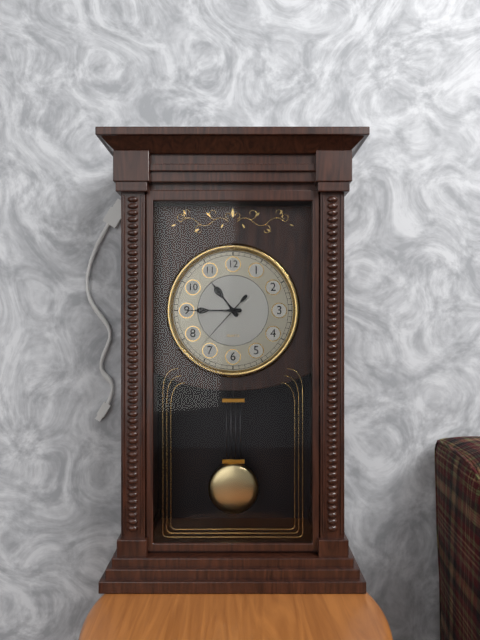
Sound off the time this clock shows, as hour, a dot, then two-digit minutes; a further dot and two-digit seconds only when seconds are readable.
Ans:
10.45.37
